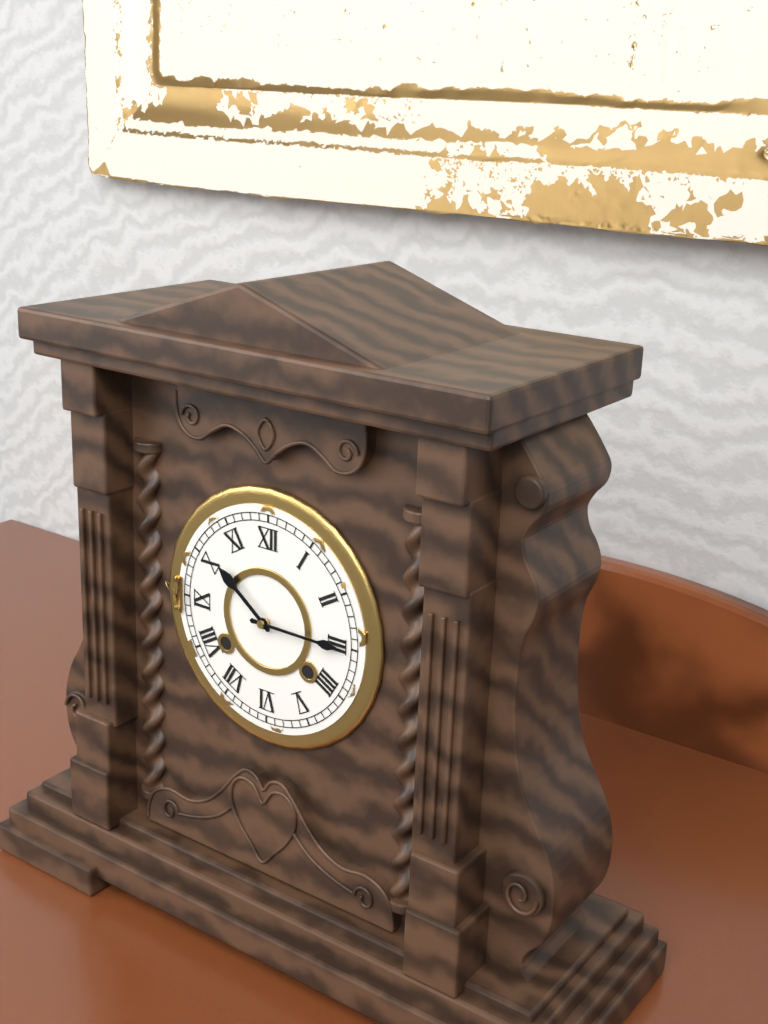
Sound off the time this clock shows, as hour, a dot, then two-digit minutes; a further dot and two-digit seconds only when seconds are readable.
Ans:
10.15
